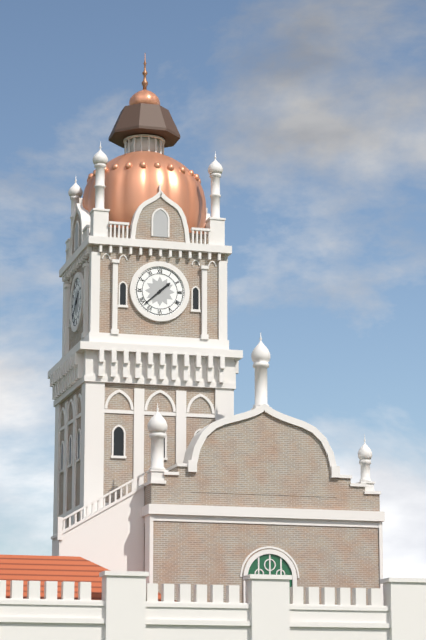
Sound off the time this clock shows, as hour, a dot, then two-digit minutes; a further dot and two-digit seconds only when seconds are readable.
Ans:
1.38
